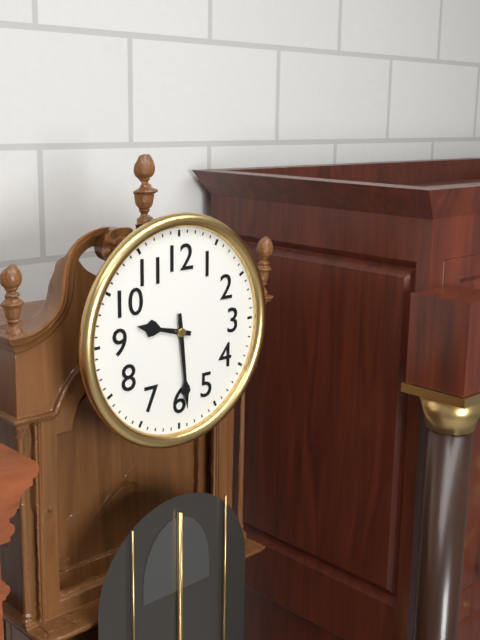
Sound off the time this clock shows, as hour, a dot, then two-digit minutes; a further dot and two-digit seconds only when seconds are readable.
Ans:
9.29
